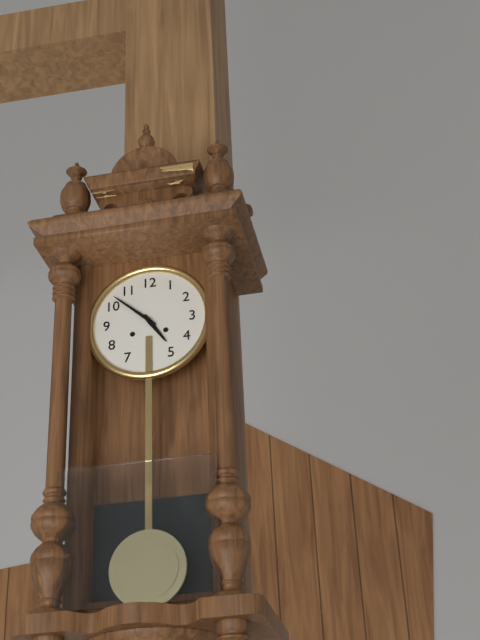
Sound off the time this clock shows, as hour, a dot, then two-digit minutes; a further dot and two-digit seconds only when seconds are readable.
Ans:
4.52
